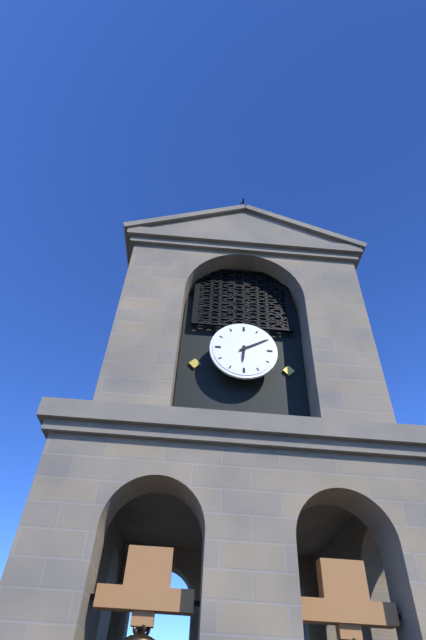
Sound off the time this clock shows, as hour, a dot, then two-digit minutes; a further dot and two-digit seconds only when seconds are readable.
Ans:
6.10
